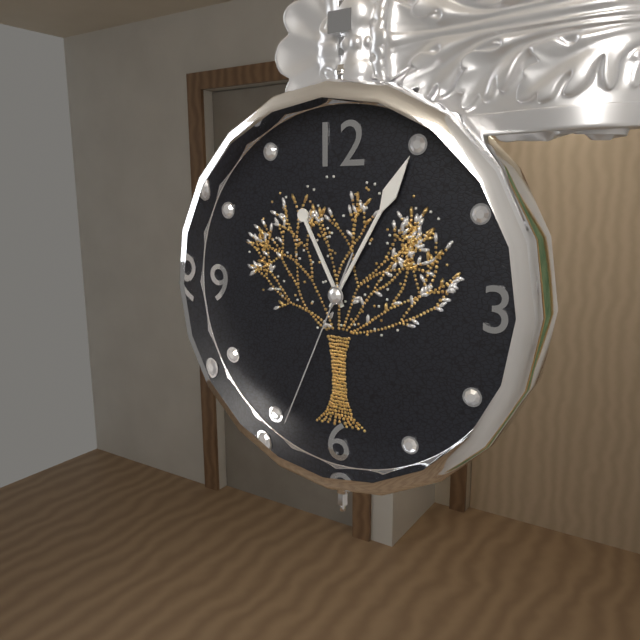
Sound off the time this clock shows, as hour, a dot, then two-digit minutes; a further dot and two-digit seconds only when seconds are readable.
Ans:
11.05.34
